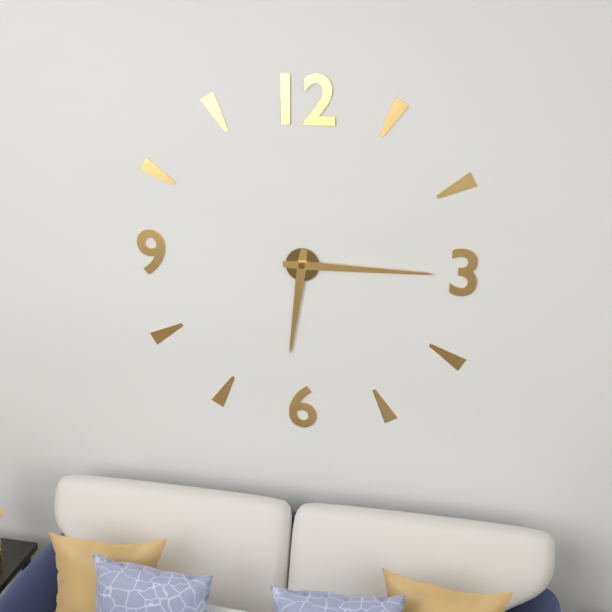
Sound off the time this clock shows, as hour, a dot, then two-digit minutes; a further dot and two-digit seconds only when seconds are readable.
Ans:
6.15
